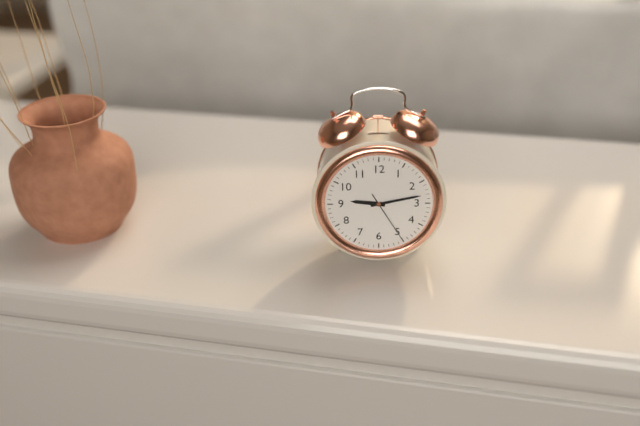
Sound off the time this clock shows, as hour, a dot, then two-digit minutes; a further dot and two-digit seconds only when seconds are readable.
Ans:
9.13.25
